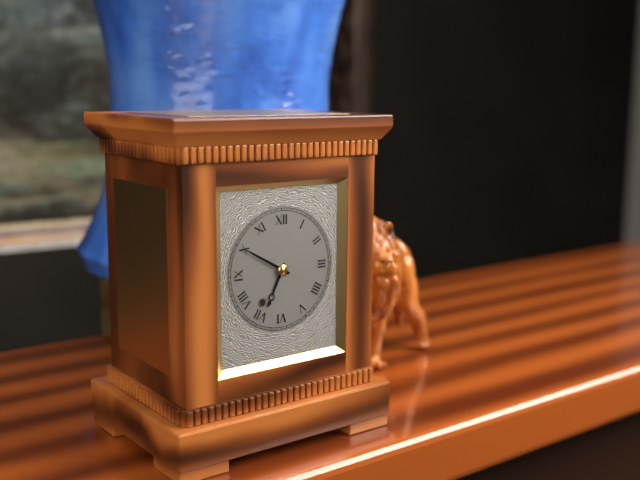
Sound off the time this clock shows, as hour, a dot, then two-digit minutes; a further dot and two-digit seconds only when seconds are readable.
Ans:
6.50
